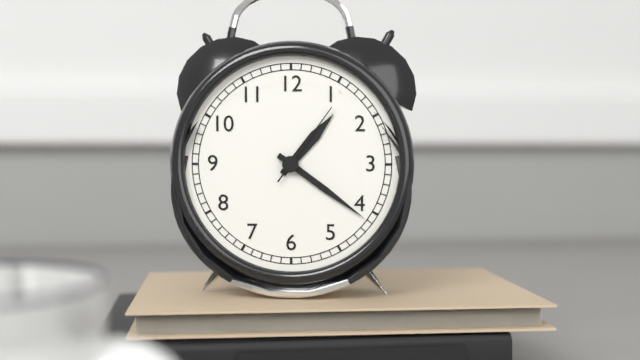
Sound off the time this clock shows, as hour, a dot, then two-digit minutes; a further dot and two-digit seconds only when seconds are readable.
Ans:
1.21.06
